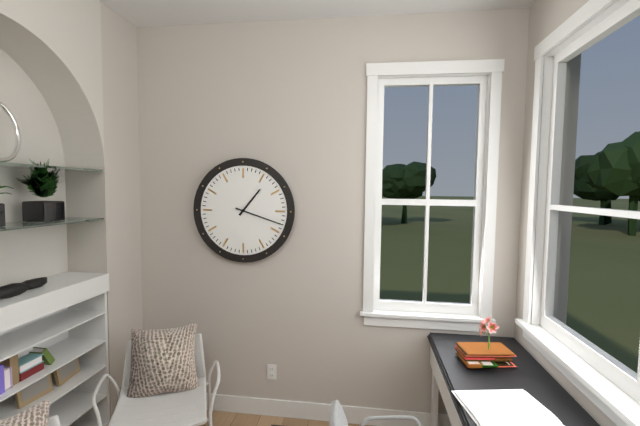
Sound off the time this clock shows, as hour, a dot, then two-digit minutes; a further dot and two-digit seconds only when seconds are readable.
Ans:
1.18
